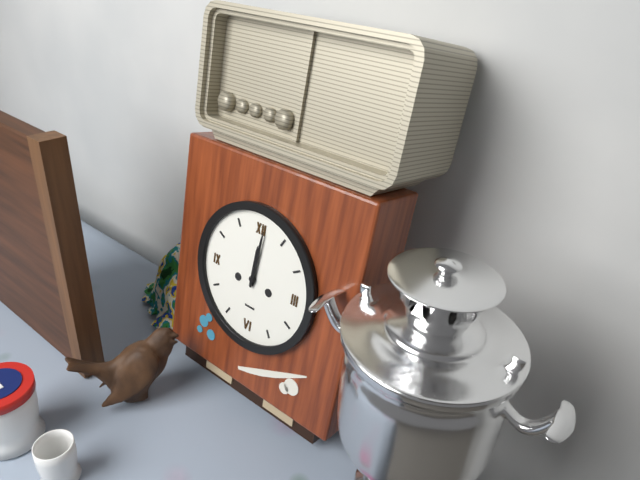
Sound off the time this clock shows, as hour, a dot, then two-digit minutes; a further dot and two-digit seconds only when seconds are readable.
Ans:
12.01
